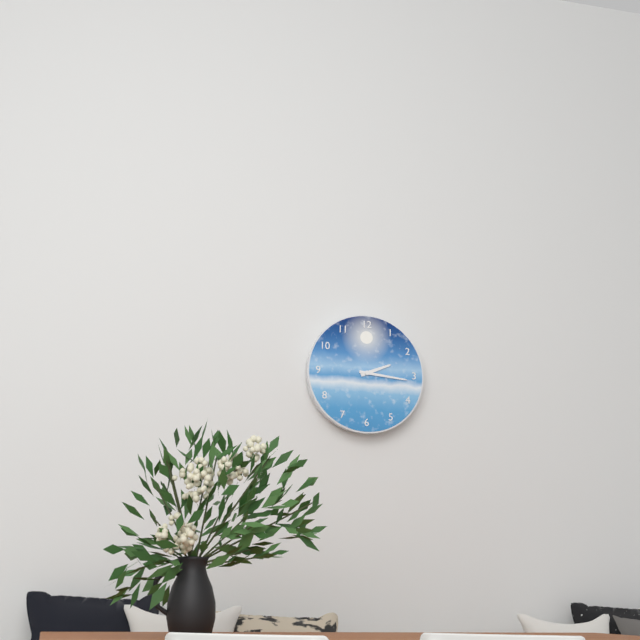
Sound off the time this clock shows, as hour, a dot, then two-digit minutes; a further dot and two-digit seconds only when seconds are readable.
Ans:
2.16
